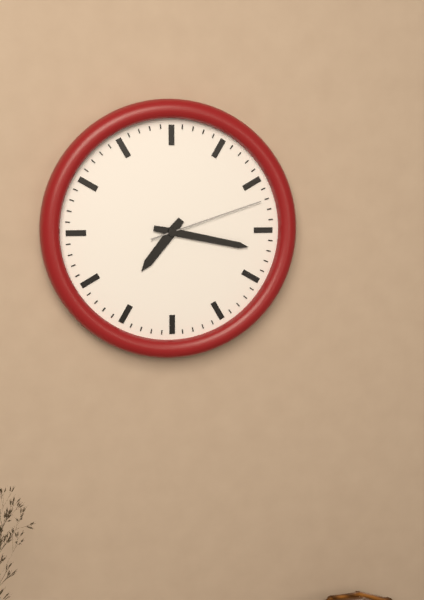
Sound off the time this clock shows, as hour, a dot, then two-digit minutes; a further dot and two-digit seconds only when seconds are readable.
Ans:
7.17.12
